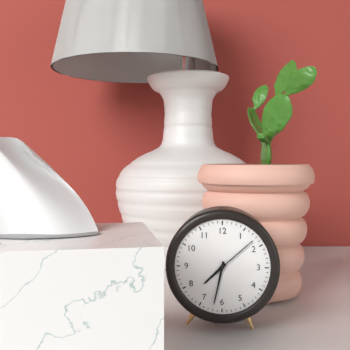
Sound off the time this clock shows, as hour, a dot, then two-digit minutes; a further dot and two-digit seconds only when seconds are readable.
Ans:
7.32.08
